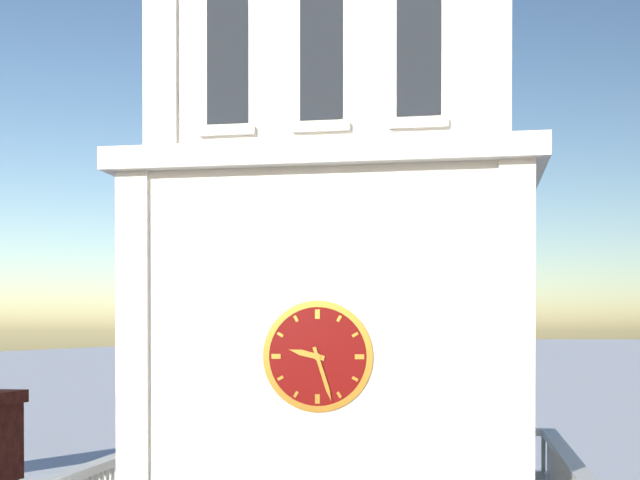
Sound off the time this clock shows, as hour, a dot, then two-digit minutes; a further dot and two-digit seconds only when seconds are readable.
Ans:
9.27
